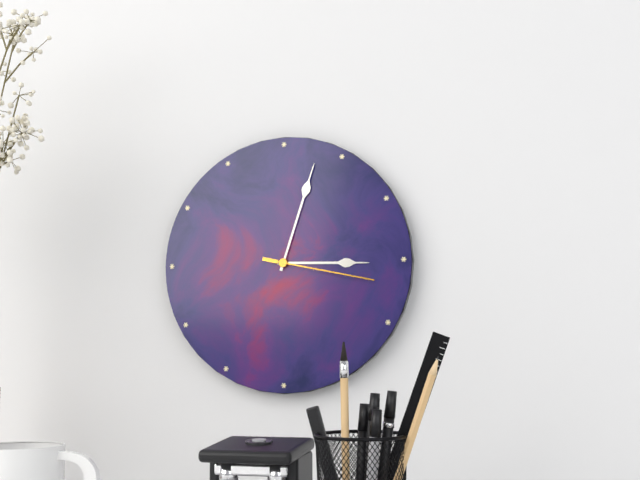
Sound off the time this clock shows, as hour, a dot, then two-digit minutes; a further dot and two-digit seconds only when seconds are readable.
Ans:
3.03.17
